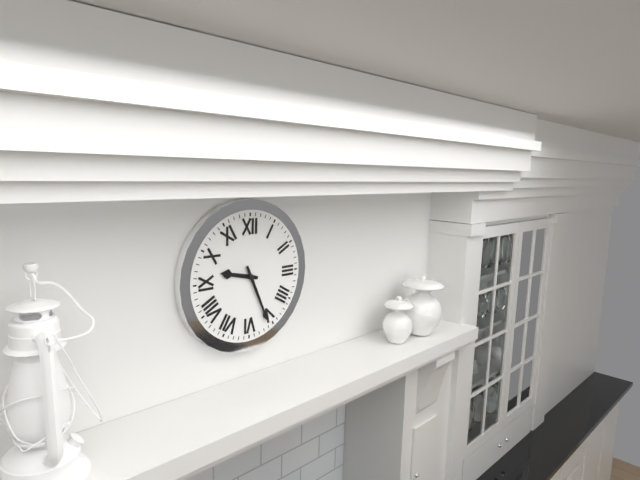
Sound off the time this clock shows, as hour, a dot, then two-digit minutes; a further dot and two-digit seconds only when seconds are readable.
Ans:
9.26
